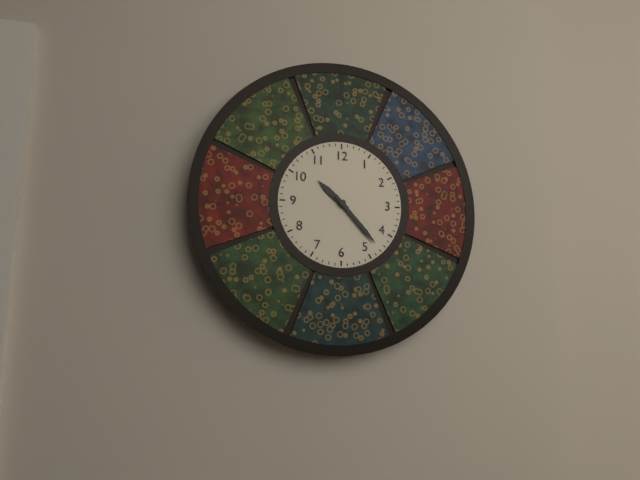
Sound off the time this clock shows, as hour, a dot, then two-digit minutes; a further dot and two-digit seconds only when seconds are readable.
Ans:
10.23
